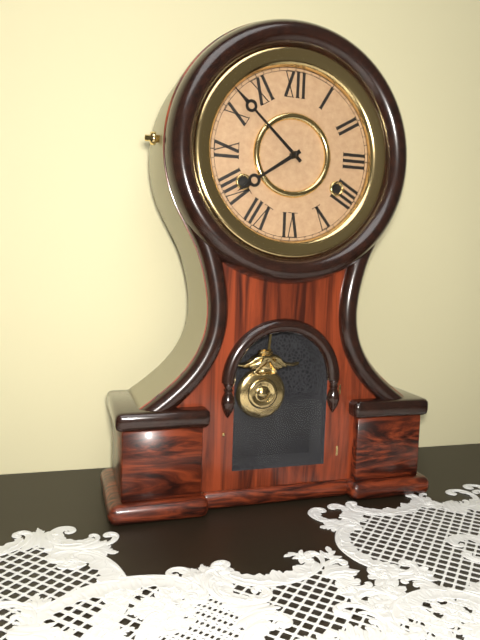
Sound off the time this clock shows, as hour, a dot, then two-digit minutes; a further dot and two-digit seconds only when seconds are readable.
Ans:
7.52
